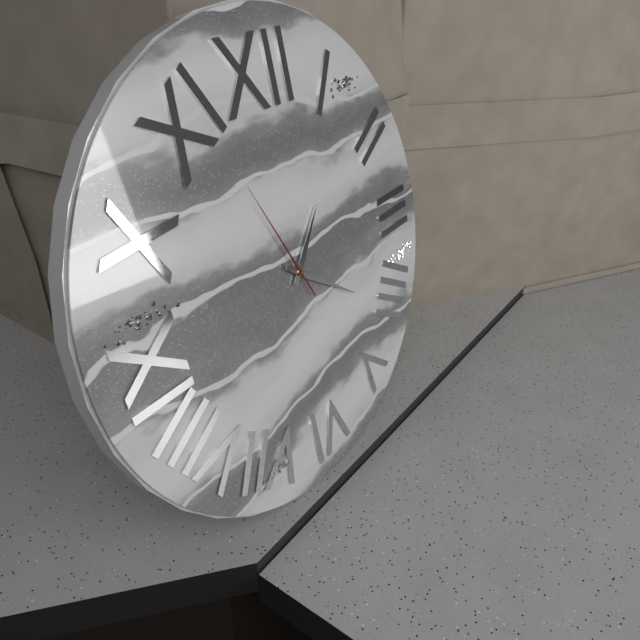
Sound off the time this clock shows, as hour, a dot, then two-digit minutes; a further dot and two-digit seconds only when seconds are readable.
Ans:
1.21.56
